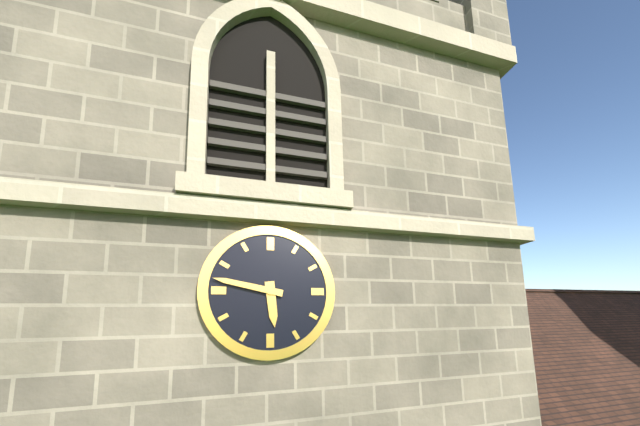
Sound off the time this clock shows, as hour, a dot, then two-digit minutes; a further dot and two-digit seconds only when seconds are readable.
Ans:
5.47
